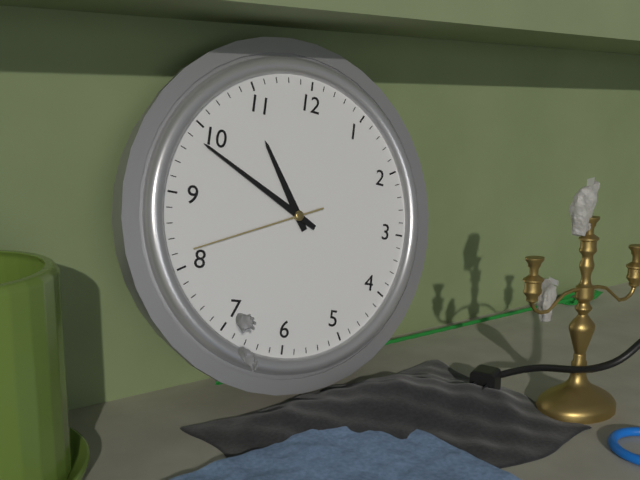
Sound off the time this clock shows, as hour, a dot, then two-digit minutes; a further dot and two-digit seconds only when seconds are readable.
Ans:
10.49.41
